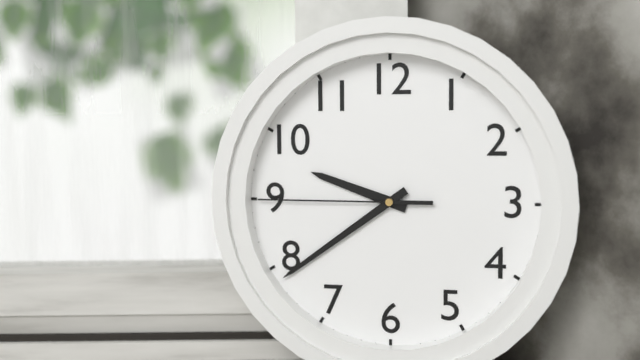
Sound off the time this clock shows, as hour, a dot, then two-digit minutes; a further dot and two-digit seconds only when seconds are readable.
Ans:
9.39.45
